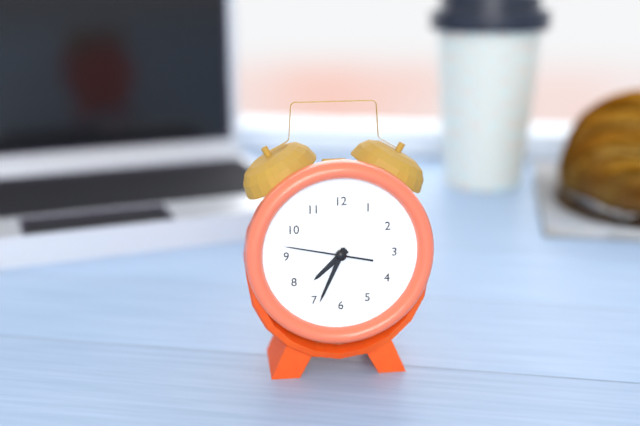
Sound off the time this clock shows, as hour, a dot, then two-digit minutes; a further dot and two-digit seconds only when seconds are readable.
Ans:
7.34.47
